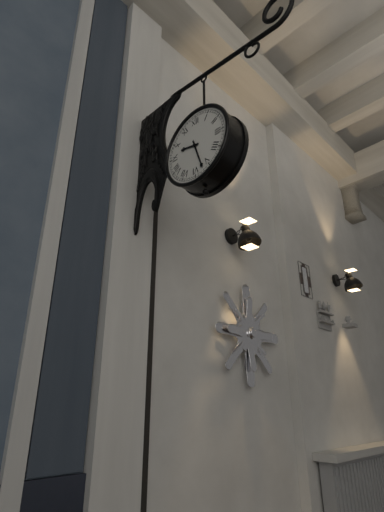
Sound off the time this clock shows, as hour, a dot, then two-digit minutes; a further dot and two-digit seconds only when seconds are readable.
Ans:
9.27
